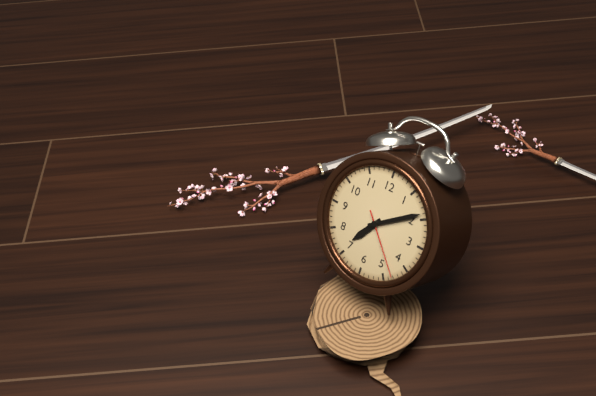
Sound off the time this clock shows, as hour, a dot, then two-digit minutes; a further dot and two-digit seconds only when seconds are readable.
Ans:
7.09.23
